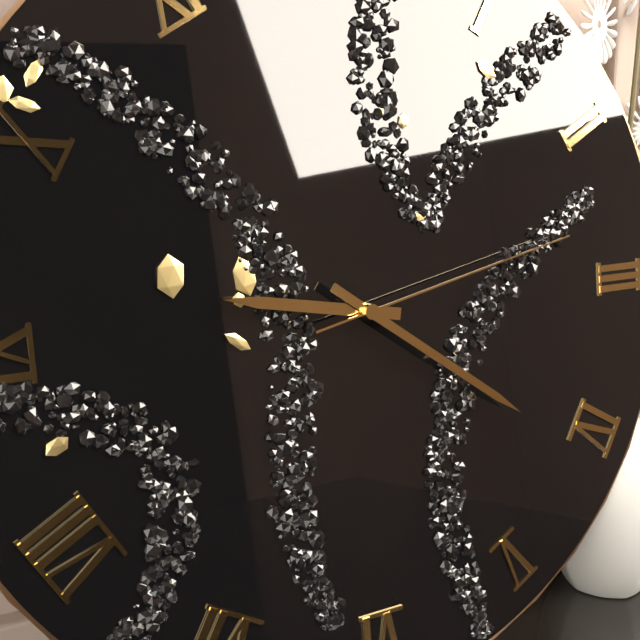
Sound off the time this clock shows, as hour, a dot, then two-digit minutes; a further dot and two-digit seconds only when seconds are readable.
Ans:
9.21.13
